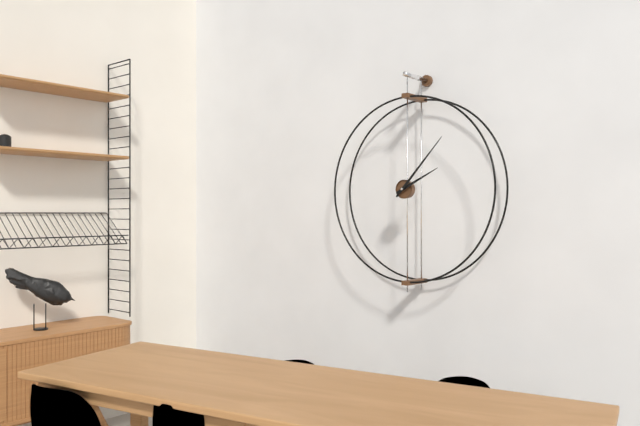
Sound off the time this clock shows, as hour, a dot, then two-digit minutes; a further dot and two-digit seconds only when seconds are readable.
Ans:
2.07
